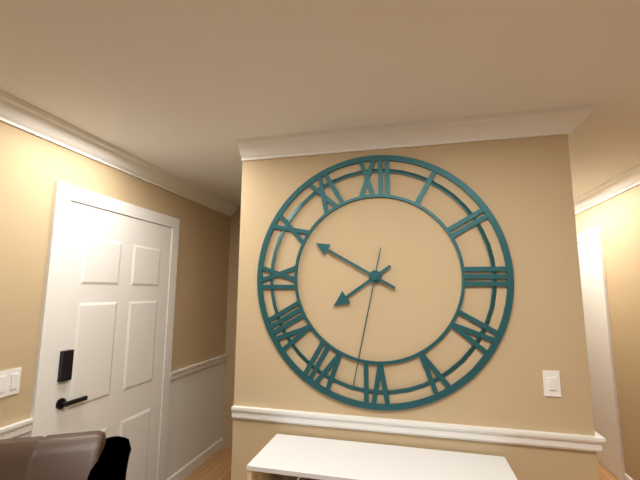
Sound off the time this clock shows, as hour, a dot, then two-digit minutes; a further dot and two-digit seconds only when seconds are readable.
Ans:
7.50.32
